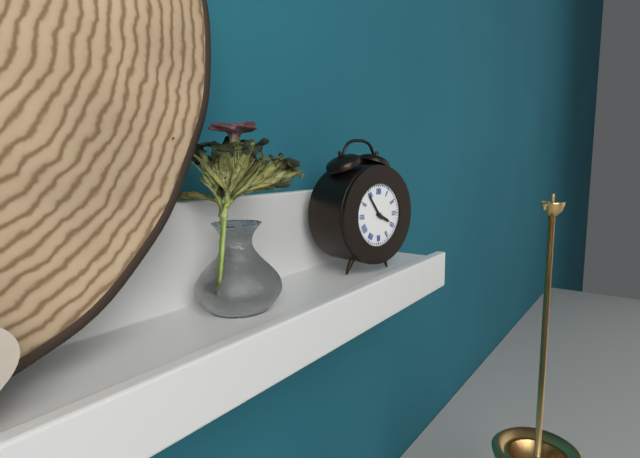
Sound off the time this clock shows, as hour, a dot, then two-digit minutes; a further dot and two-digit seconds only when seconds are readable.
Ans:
3.54
